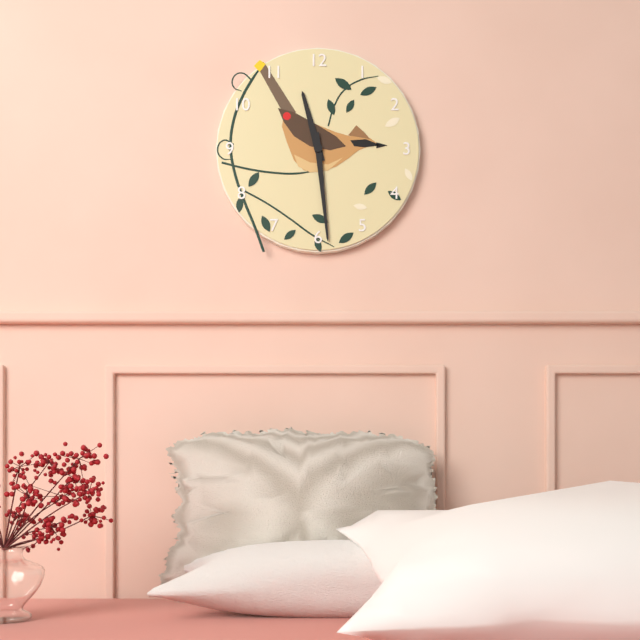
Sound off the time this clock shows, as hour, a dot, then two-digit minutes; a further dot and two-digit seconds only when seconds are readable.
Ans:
11.29
